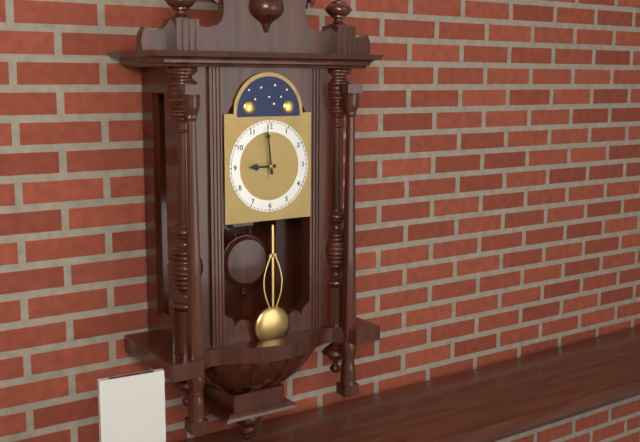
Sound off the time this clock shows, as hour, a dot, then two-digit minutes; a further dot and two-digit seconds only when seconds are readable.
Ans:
8.59
